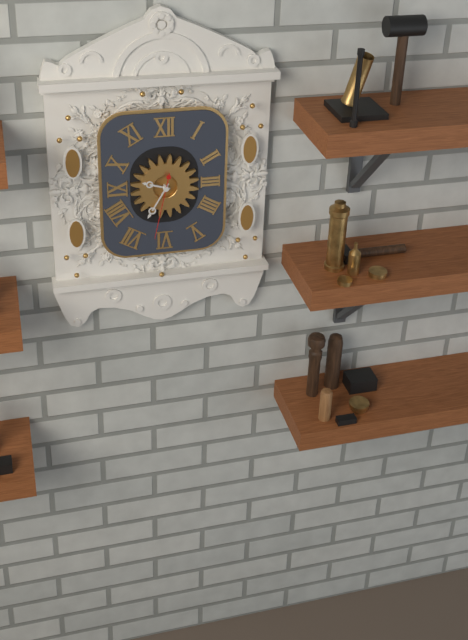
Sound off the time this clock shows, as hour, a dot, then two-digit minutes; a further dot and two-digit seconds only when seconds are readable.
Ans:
9.35.32
